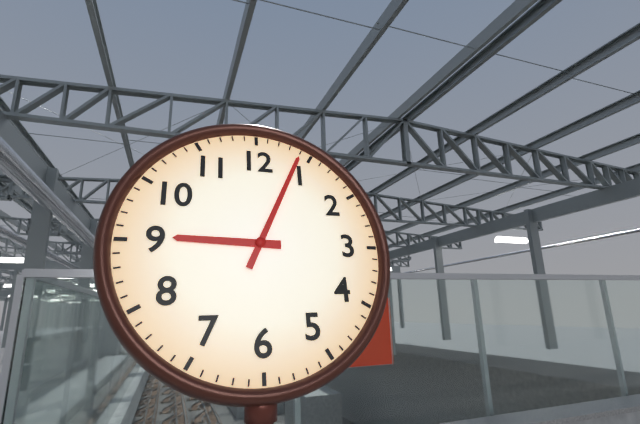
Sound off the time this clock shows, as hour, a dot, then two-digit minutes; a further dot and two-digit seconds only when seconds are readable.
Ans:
9.04
